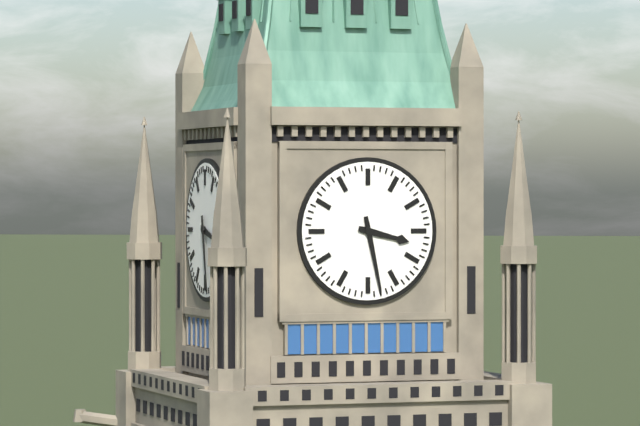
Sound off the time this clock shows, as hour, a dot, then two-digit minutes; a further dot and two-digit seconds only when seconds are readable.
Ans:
3.28
